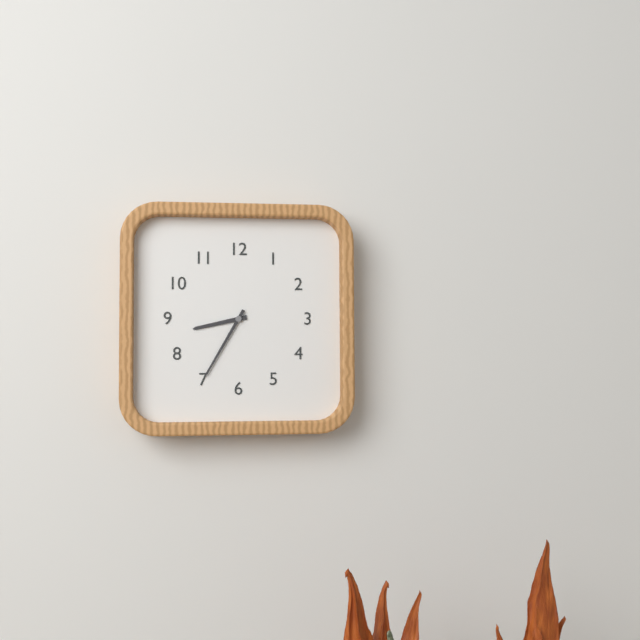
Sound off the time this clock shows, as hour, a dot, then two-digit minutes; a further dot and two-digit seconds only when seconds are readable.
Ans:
8.35
